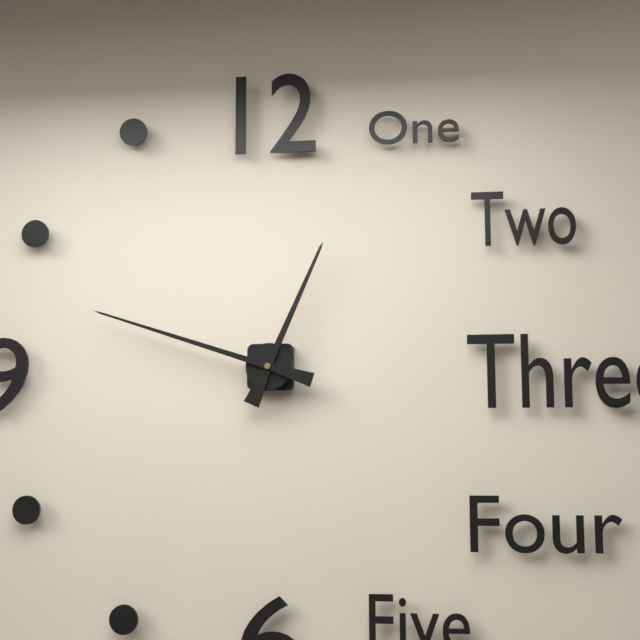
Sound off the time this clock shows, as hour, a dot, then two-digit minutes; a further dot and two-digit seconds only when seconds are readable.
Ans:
12.48
